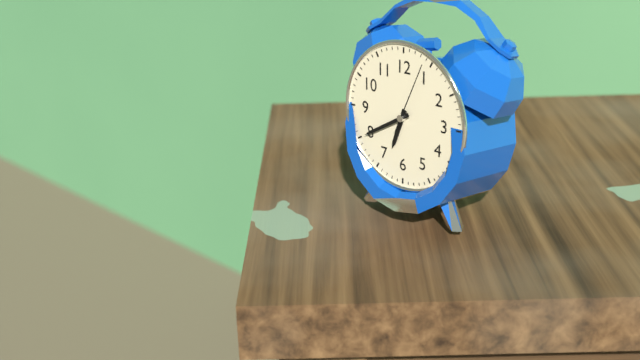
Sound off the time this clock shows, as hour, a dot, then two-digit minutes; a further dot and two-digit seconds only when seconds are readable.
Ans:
6.40.04
